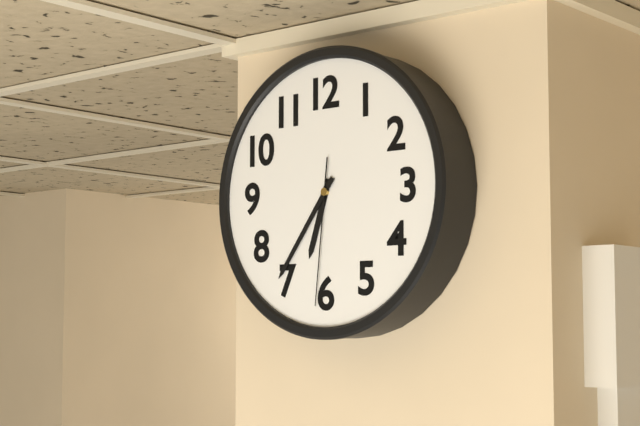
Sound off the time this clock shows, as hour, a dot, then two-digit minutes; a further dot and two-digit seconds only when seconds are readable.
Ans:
6.36.31
